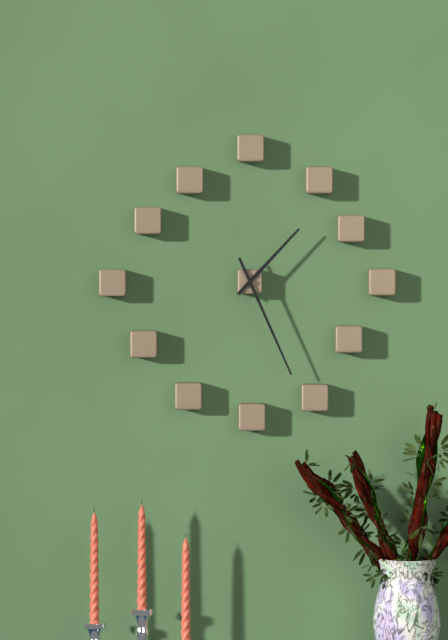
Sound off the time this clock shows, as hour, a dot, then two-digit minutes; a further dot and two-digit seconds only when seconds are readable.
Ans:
1.26
